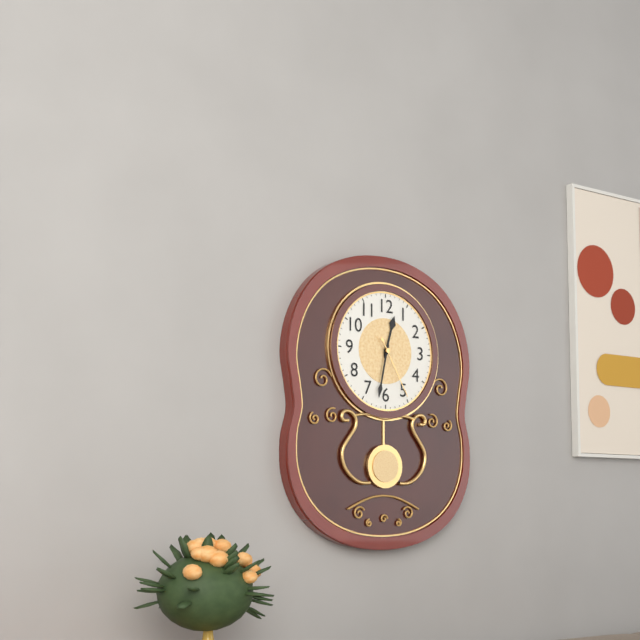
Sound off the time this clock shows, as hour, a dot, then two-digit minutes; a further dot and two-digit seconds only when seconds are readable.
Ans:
12.32.25
